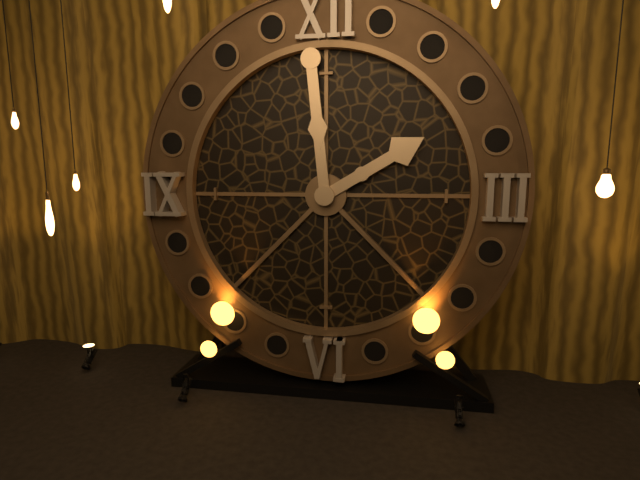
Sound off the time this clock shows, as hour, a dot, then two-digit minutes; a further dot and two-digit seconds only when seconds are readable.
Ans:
1.59
